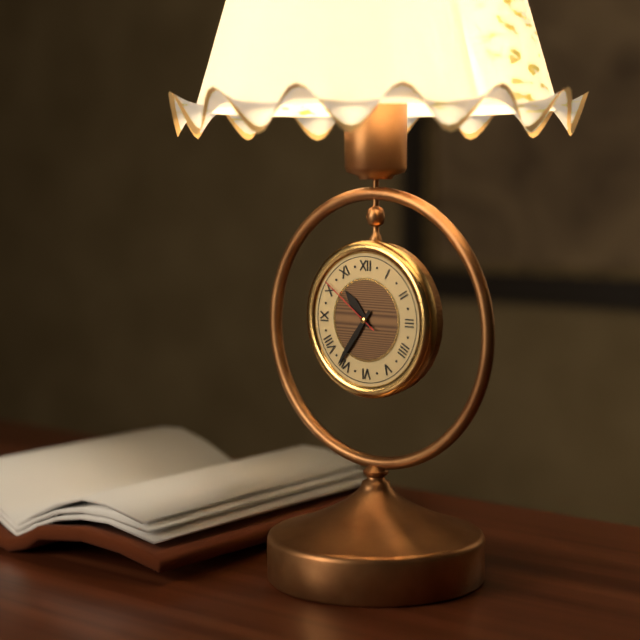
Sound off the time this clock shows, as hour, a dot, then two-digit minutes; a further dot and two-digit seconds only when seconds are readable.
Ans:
10.36.51
